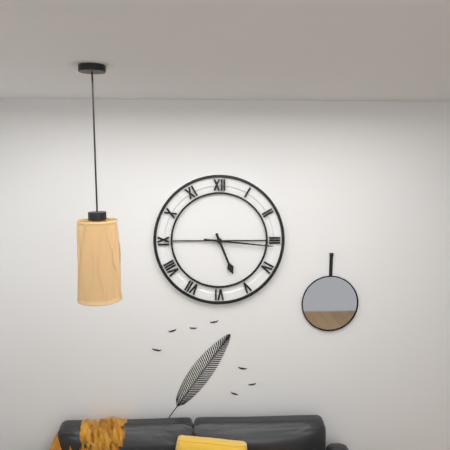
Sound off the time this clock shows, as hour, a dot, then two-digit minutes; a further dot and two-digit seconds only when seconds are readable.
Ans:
5.16
